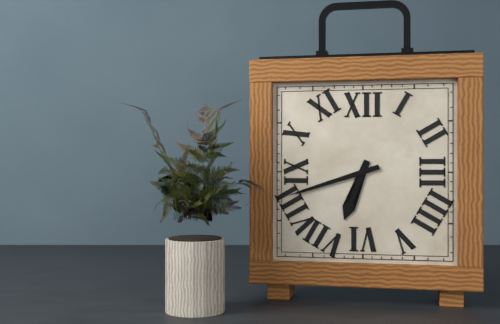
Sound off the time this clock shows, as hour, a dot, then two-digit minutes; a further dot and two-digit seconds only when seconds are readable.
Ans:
6.42
